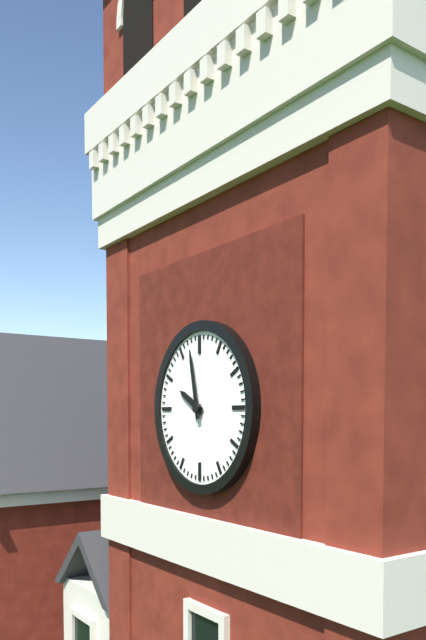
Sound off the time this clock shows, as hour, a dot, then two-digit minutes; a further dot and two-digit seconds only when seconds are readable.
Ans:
9.58
